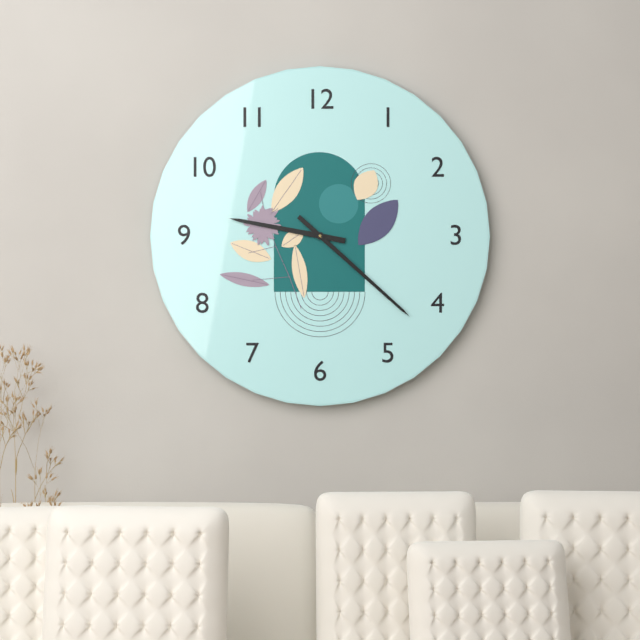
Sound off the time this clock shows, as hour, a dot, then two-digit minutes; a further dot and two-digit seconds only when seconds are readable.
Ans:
9.22
